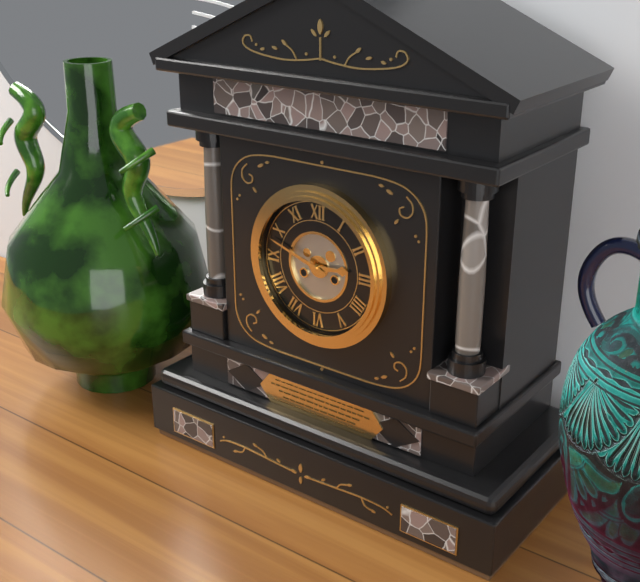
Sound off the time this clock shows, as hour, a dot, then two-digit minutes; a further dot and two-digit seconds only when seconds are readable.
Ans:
2.48
